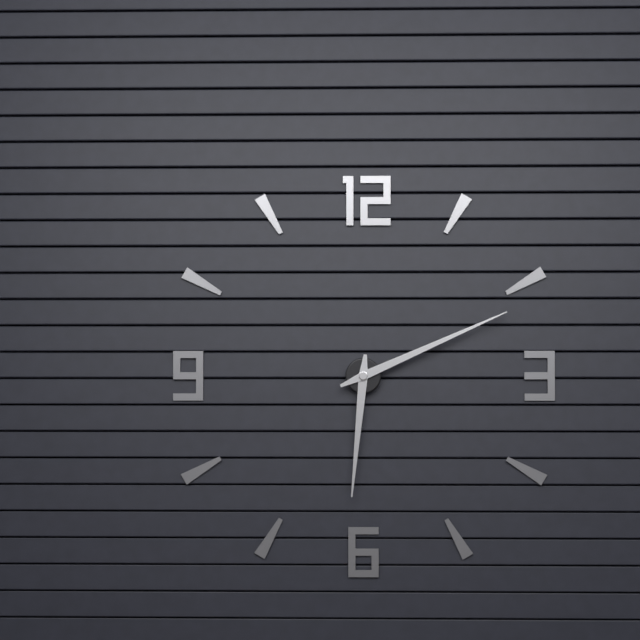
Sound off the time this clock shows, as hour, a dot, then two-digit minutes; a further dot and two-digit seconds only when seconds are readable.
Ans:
6.11
